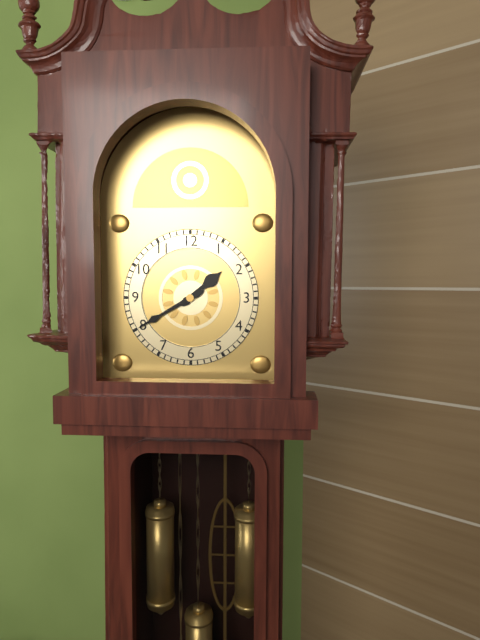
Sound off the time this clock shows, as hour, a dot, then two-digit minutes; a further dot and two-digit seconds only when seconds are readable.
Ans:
1.40
